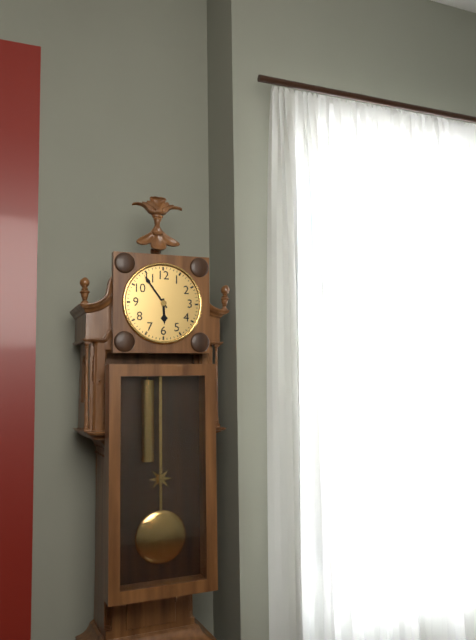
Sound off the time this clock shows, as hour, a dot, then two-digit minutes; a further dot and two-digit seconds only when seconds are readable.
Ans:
5.54
